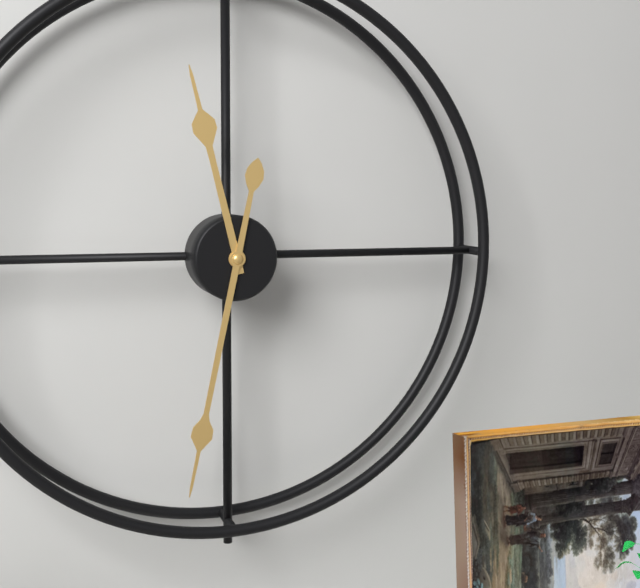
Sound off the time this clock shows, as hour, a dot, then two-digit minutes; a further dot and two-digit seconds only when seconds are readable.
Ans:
11.32
